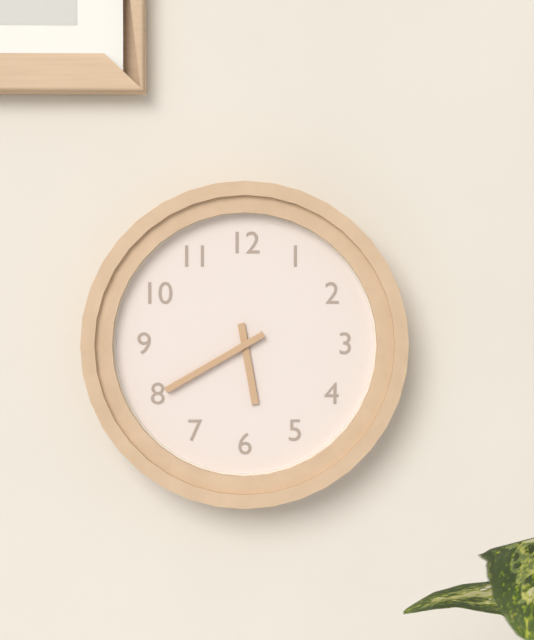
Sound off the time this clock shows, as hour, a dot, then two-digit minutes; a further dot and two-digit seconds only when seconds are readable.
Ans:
5.40
